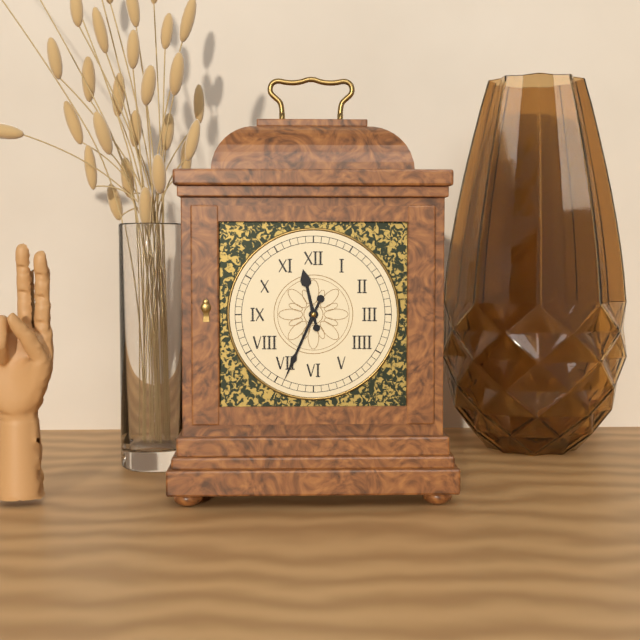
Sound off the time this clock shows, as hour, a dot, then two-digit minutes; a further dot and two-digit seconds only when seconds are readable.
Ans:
11.34
